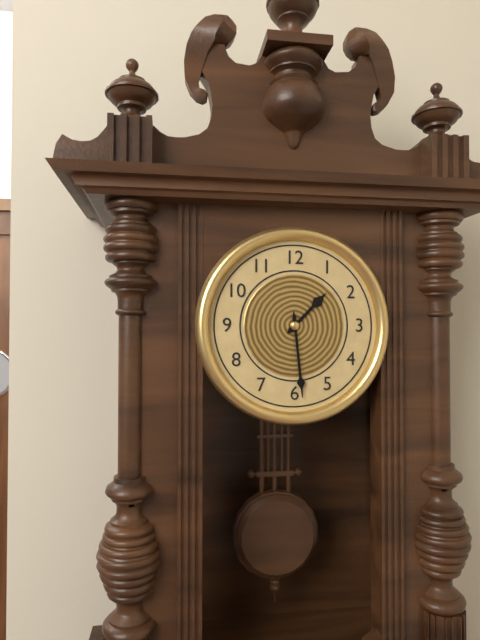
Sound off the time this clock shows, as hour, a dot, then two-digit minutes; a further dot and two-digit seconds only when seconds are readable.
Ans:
1.29
